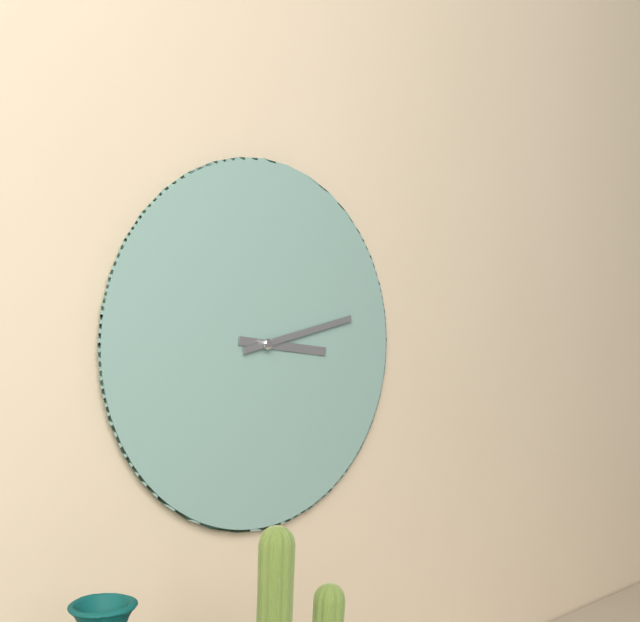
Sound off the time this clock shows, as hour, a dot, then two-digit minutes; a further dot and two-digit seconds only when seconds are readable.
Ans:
3.13
